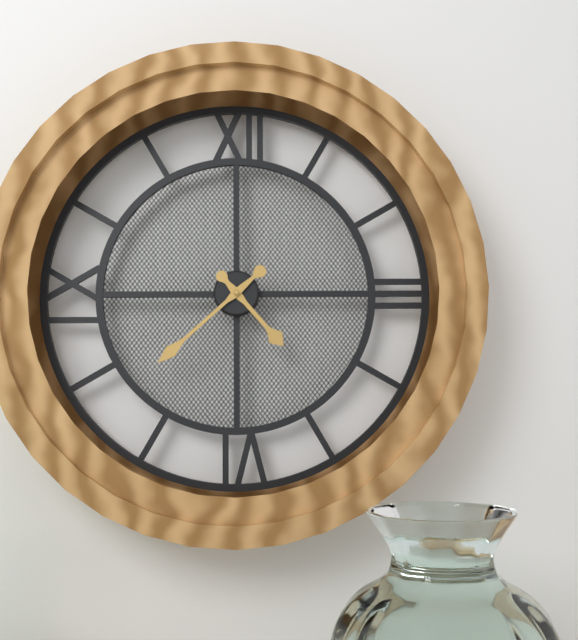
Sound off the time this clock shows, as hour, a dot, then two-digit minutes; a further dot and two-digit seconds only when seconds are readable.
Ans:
4.38
